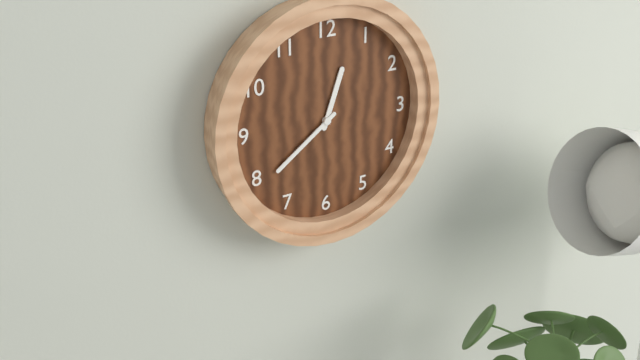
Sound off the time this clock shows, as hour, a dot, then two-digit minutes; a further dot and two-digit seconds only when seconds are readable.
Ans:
12.39
